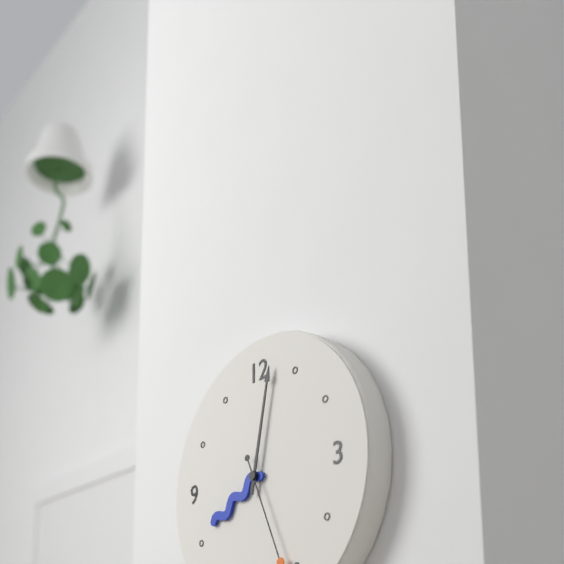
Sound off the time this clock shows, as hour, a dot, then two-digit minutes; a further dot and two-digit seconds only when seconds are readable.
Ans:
8.02
